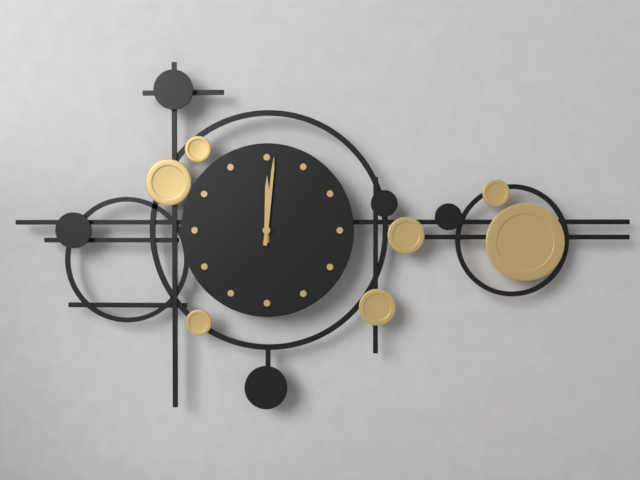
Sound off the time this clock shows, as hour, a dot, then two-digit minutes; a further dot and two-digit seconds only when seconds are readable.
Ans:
12.01
